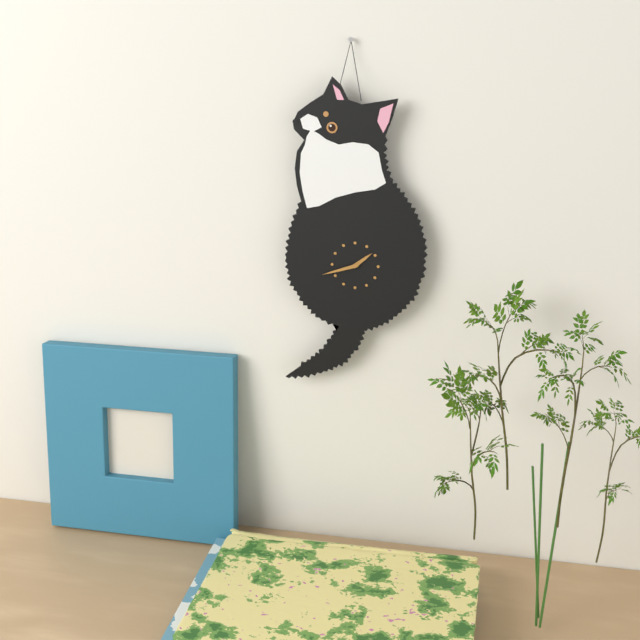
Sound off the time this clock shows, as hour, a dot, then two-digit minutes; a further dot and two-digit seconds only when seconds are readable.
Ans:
1.42
